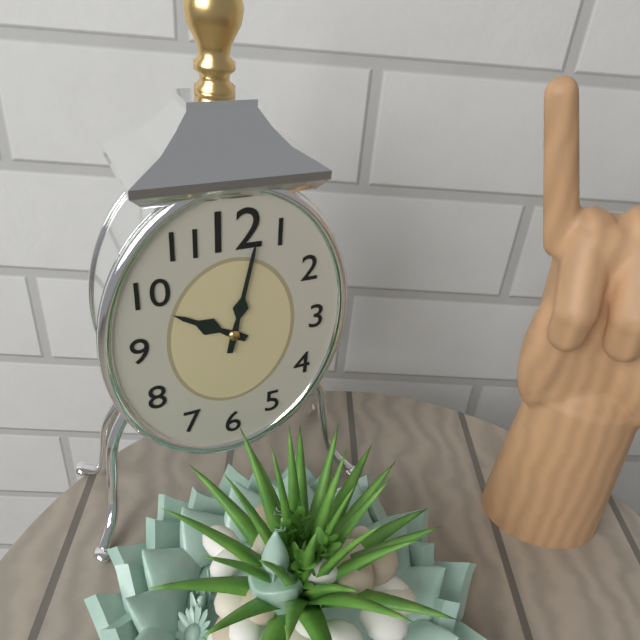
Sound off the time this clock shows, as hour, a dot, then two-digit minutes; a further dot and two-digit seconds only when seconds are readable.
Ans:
10.02
